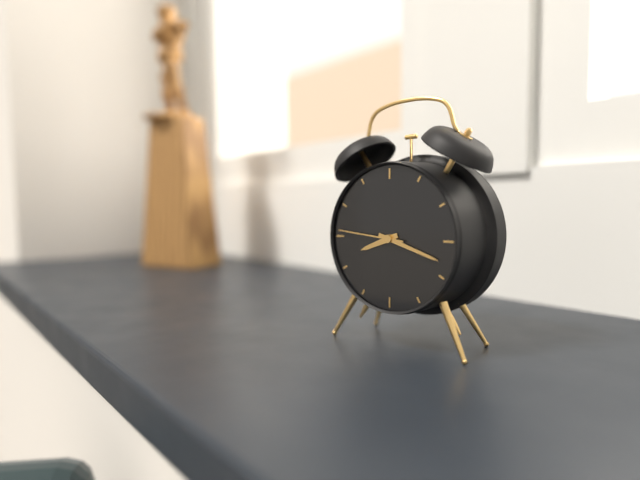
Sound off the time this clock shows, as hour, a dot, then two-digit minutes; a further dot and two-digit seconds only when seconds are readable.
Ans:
8.18.46
